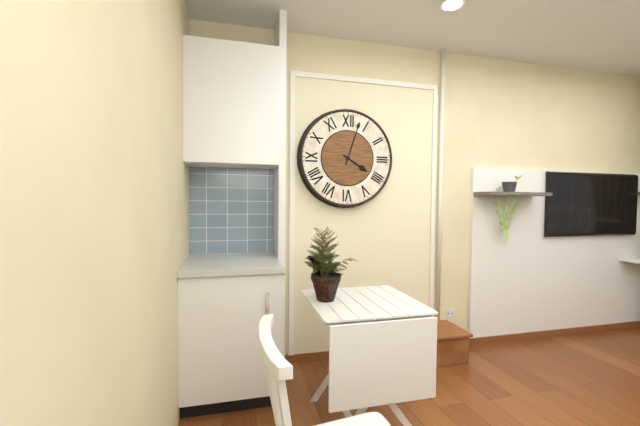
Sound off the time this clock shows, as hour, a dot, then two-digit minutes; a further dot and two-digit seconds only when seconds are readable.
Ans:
4.03
